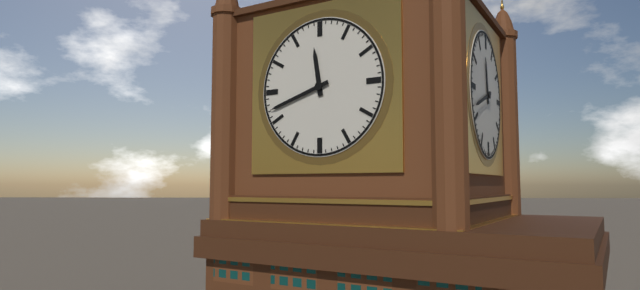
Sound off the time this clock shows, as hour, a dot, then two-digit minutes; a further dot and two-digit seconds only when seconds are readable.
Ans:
11.42
